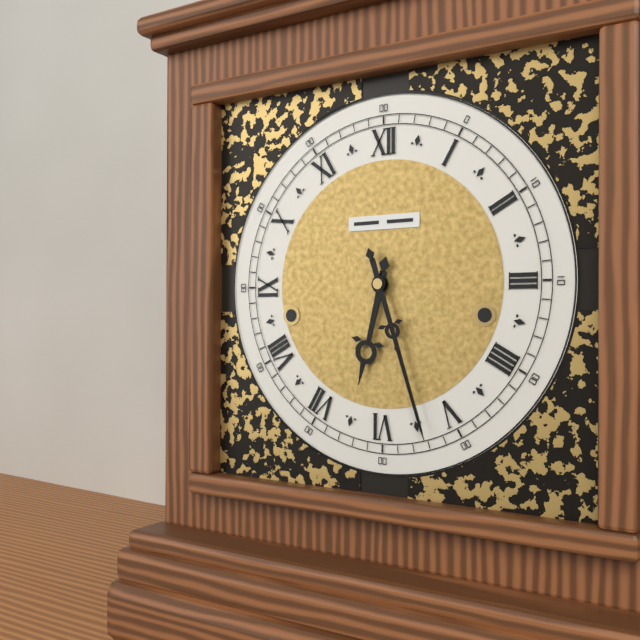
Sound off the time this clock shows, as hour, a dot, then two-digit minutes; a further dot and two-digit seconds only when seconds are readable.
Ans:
6.27
